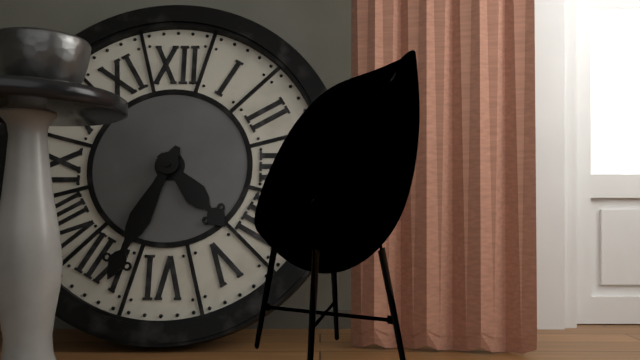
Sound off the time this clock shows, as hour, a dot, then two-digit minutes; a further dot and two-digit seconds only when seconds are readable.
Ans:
4.34
